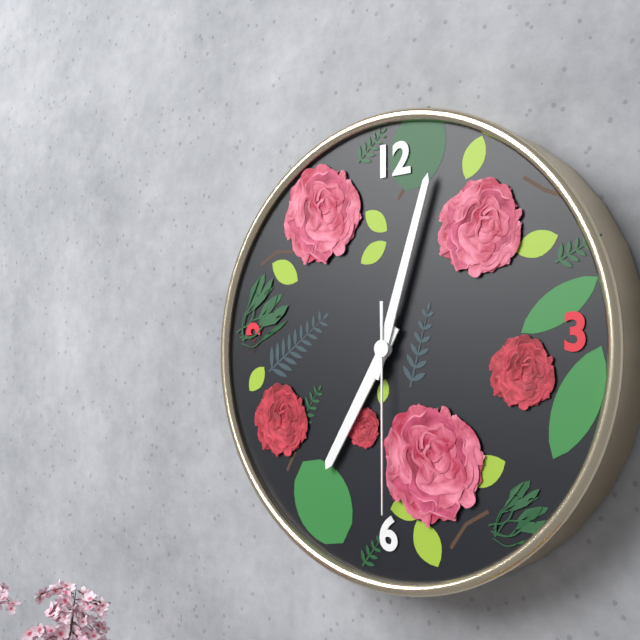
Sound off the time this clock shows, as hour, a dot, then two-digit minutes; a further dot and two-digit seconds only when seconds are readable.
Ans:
7.03.30
